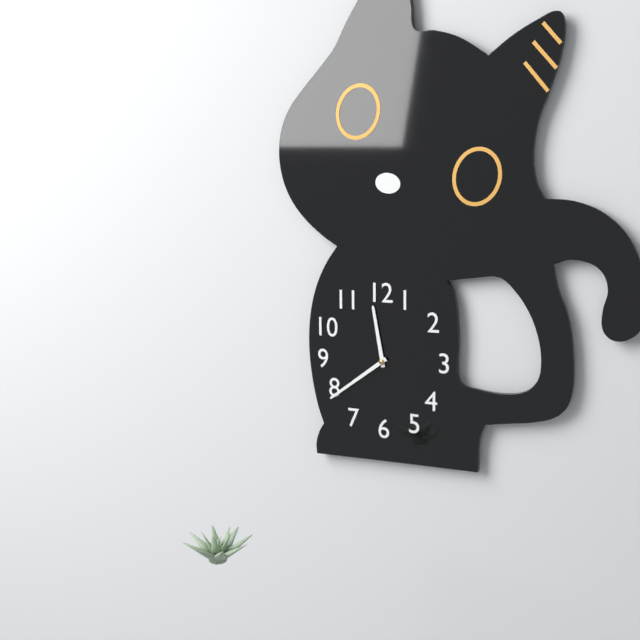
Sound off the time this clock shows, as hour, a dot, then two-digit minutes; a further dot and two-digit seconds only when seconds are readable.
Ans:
11.39
